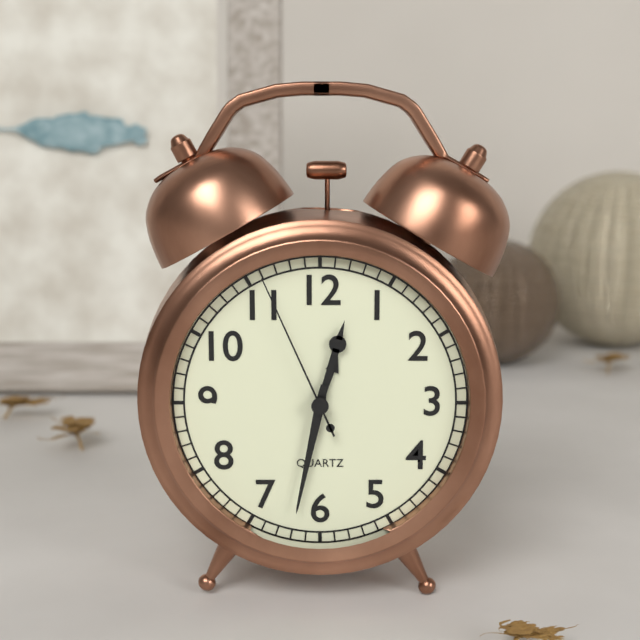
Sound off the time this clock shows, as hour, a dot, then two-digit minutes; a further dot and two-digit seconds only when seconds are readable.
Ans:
12.32.56
